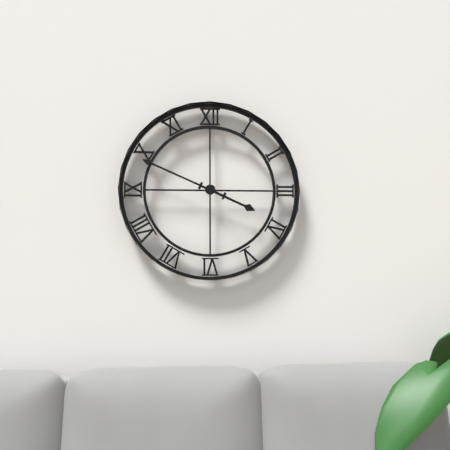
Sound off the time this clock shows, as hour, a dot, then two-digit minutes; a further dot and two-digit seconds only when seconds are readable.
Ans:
3.49
